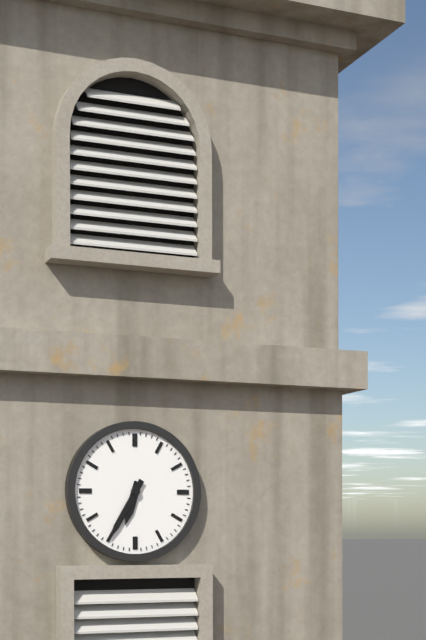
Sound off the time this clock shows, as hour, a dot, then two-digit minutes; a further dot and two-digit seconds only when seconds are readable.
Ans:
6.35
